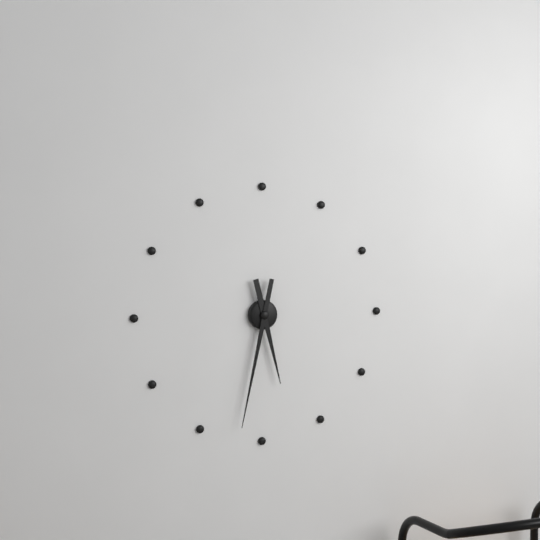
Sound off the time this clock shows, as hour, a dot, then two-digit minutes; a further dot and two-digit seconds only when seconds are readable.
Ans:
5.32
